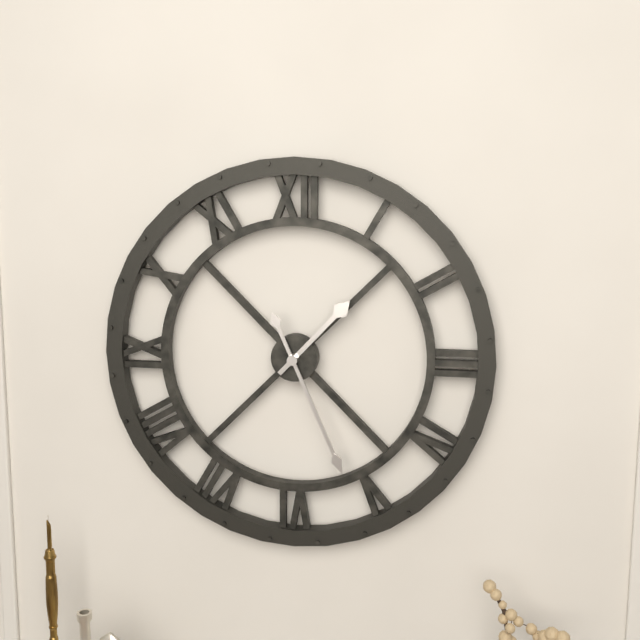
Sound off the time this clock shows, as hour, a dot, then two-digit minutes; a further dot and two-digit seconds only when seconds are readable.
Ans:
1.26
